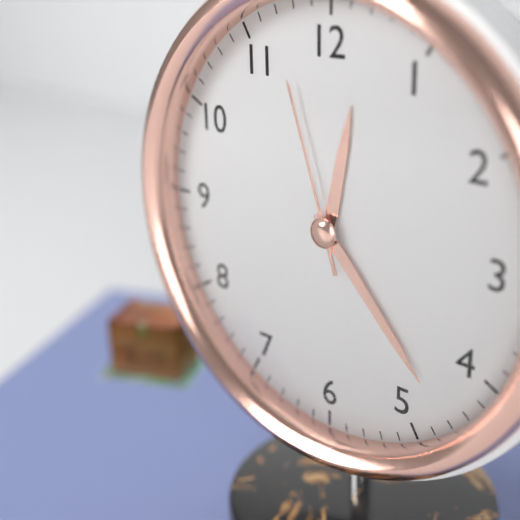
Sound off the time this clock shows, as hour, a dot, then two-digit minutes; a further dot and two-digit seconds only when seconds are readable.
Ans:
12.23.57
